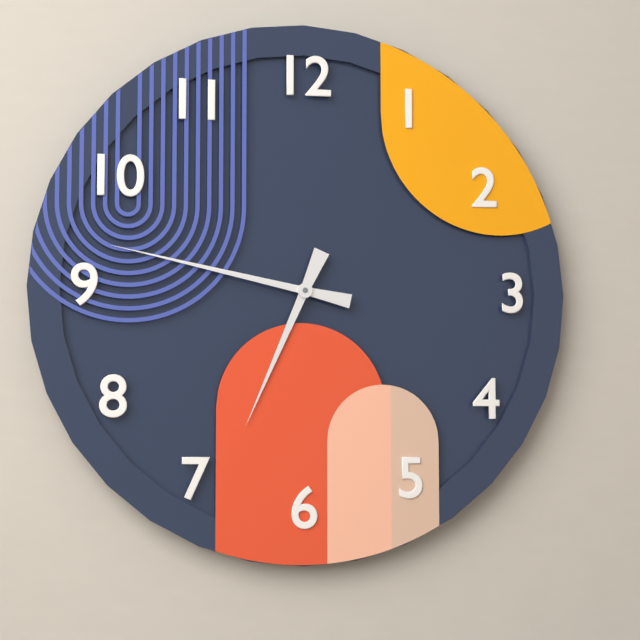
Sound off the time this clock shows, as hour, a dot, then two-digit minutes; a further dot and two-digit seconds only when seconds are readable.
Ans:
6.47
